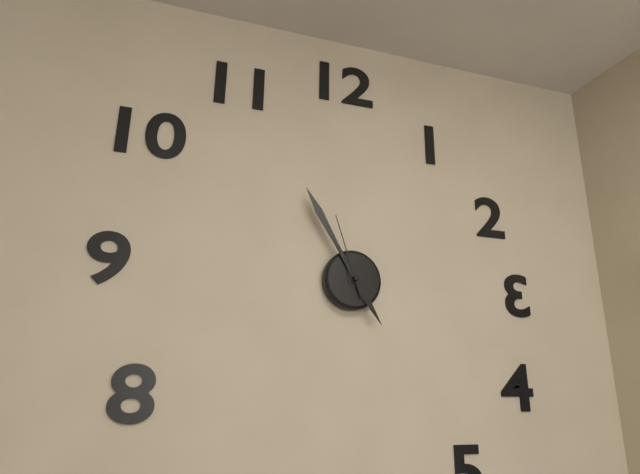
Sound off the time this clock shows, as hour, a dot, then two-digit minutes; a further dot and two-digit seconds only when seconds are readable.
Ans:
4.55.57
